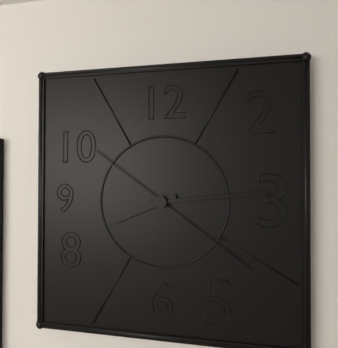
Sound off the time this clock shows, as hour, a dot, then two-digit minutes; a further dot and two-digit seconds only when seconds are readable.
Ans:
8.14.21
